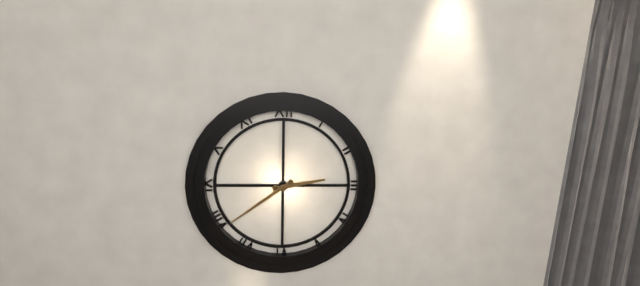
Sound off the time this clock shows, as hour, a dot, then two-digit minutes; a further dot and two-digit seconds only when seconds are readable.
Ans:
2.39
